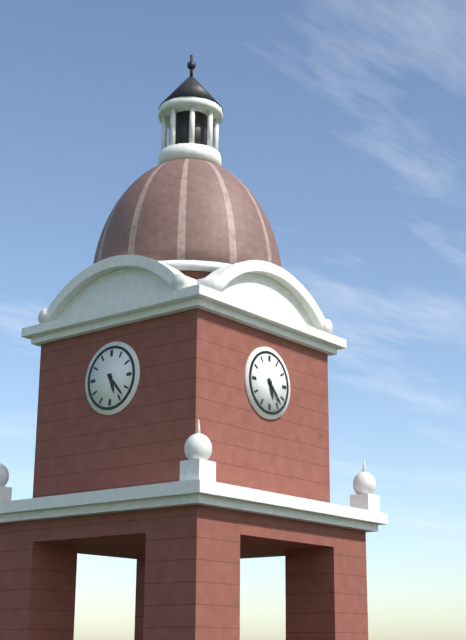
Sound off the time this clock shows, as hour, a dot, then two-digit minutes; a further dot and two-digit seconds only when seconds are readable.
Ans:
5.23
